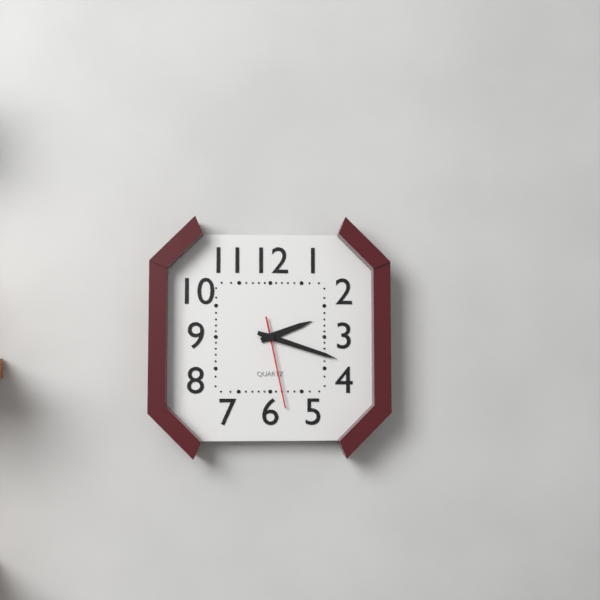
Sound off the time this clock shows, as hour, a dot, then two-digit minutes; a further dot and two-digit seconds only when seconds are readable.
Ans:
2.18.28
